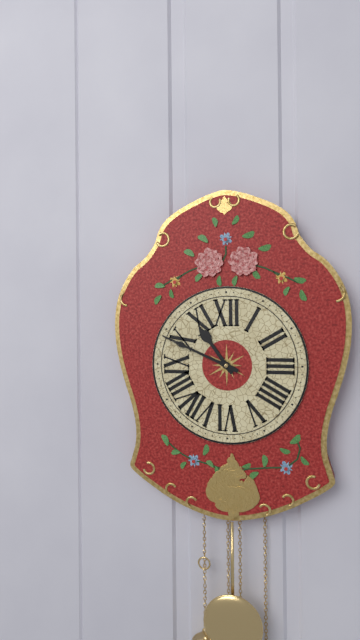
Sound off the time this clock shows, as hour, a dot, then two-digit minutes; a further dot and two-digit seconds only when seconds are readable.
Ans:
10.49
